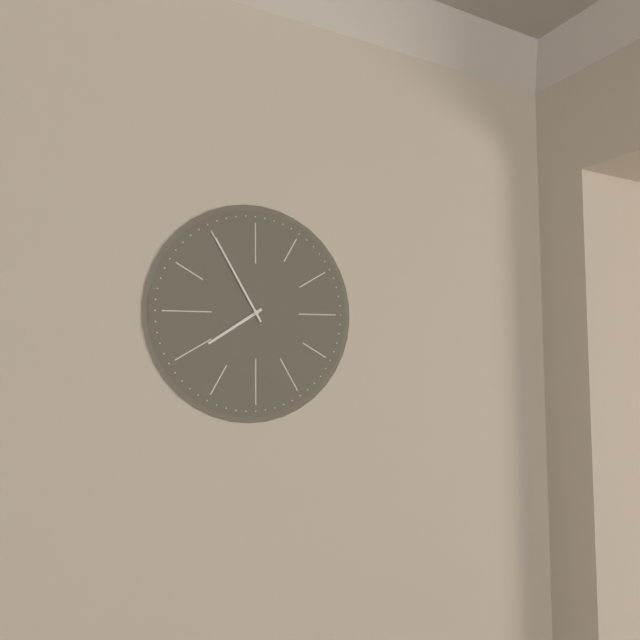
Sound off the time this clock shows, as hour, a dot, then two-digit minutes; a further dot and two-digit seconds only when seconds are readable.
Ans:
7.55
